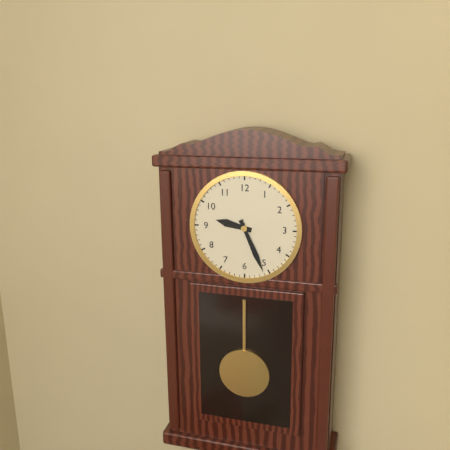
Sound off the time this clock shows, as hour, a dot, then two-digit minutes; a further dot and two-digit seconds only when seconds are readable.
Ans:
9.26
